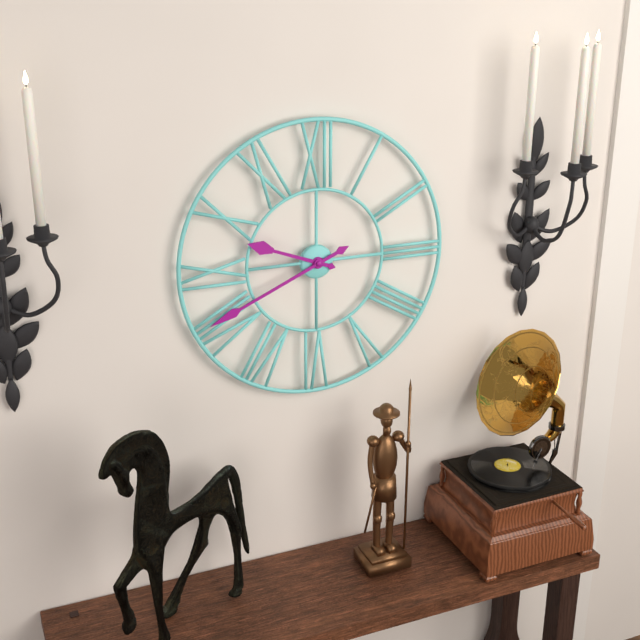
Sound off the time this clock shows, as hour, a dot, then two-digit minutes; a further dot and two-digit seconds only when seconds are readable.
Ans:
9.41
